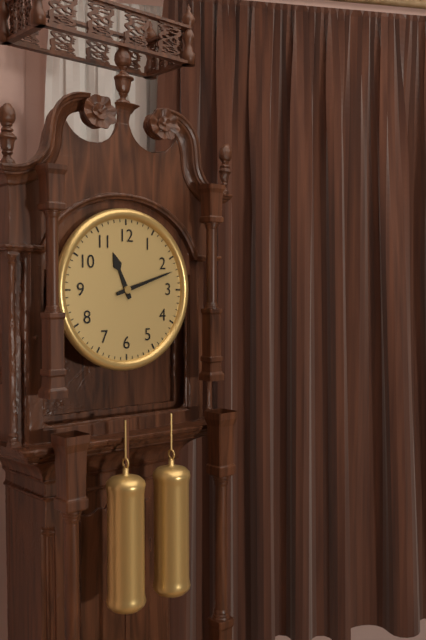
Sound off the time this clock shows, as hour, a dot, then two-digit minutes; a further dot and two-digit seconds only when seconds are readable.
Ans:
11.12
